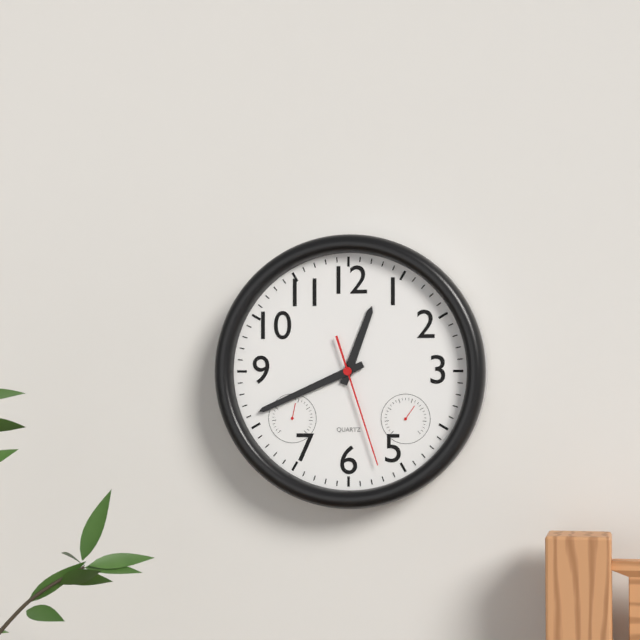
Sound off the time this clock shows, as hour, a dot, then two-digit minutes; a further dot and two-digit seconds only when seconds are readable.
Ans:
12.41.27
